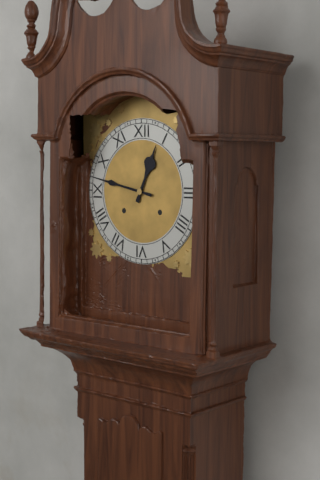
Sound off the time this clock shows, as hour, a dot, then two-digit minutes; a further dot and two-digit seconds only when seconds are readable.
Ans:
12.47
